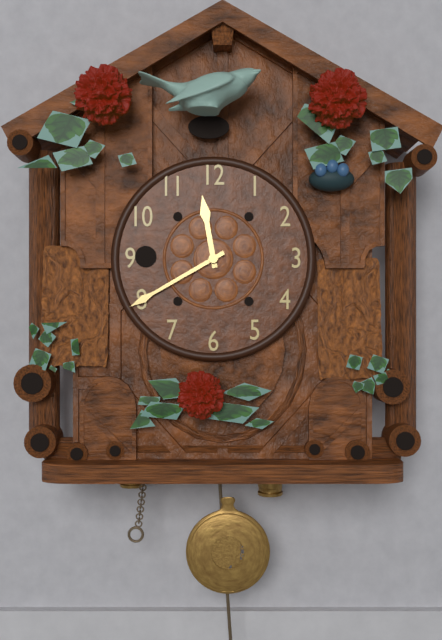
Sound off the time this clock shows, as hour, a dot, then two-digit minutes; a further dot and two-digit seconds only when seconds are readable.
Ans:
11.40
